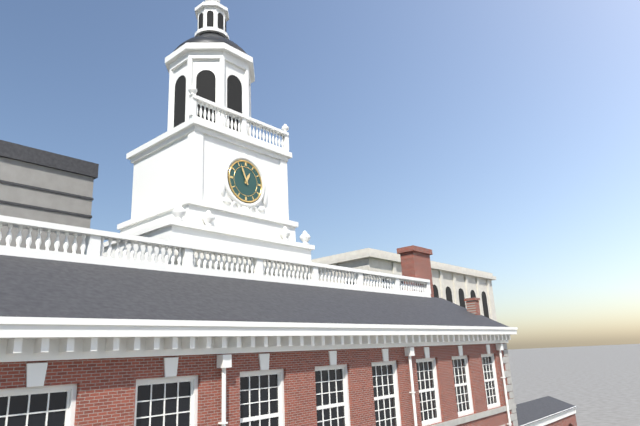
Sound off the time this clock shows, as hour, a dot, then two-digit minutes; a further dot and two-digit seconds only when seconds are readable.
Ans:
12.56
